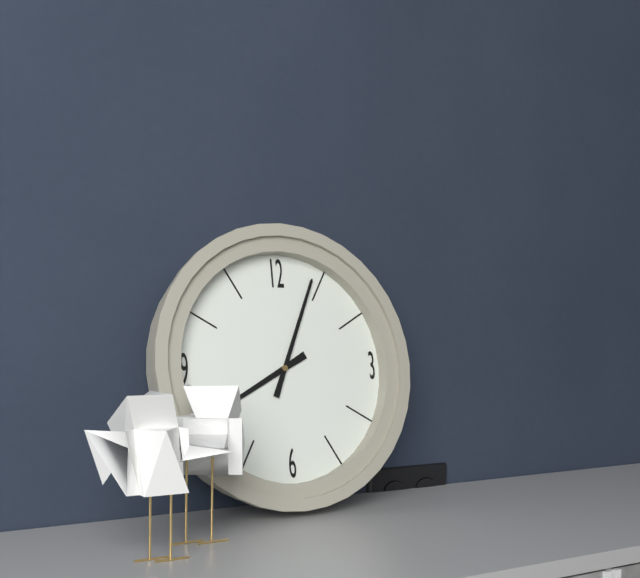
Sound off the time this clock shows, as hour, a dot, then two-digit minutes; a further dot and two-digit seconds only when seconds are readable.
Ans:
8.04
